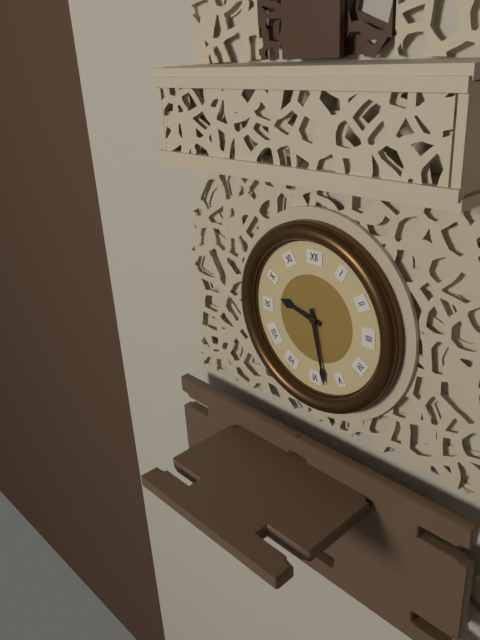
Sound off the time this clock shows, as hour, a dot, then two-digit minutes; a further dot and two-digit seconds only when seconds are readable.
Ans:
9.28
